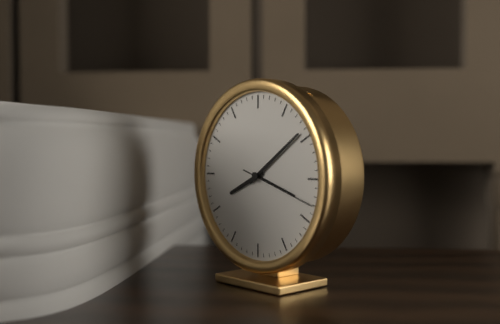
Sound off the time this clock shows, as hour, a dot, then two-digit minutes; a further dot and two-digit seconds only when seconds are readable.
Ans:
8.09.18
